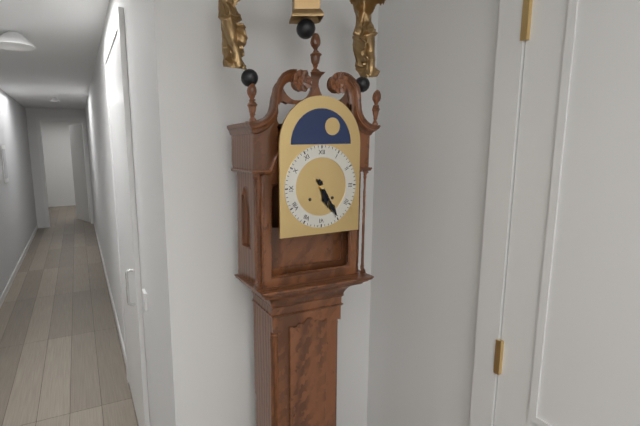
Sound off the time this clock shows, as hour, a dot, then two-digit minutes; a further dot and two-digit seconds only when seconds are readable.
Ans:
5.25
